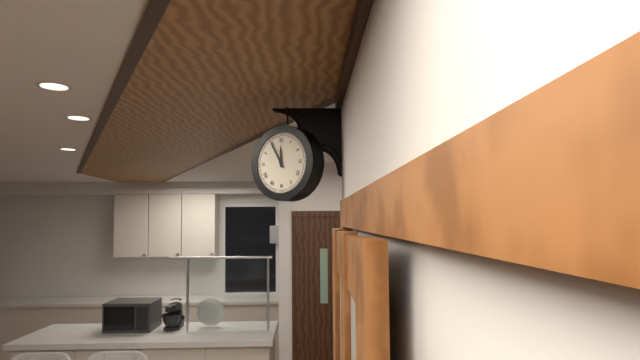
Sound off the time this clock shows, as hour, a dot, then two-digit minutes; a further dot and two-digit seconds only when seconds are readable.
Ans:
11.55
